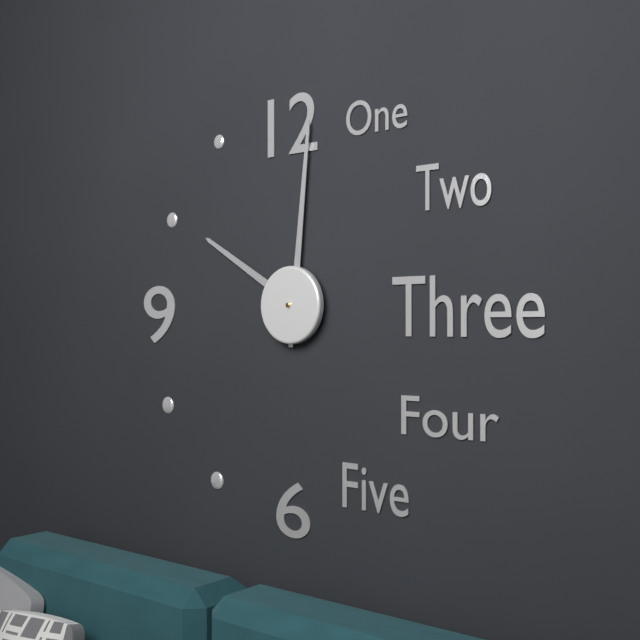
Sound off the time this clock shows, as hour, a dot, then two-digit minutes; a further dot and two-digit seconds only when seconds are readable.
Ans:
10.01
